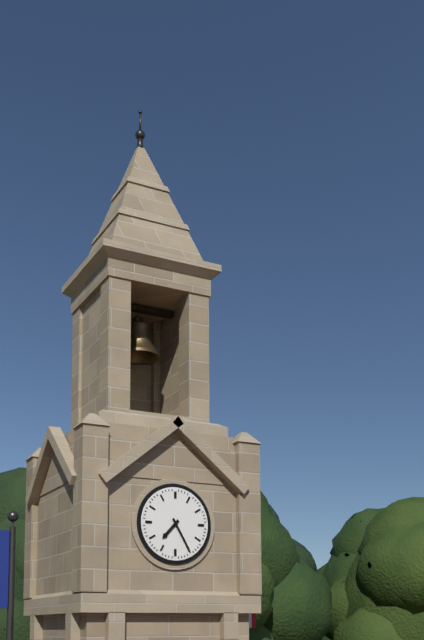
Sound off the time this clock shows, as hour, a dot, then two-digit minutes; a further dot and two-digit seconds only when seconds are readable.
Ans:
7.25
